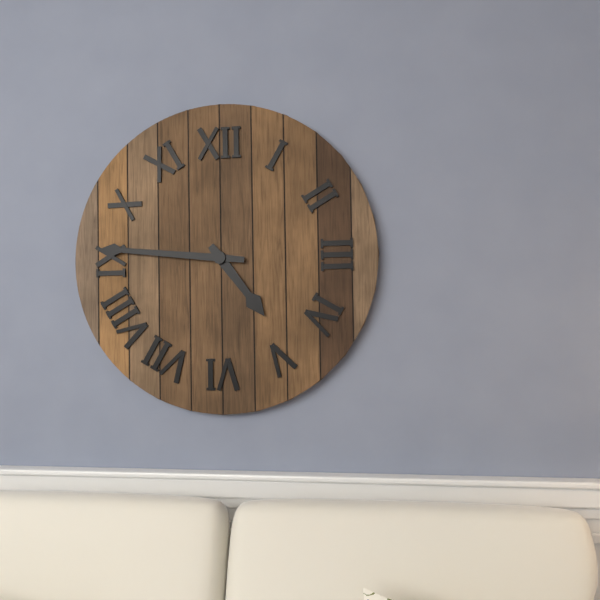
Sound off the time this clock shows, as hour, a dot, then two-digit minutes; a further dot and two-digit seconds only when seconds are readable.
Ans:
4.46
